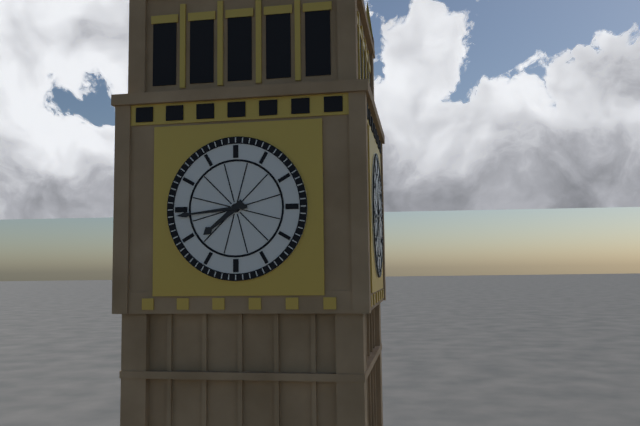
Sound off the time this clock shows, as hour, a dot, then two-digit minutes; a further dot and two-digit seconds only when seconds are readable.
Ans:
7.44
